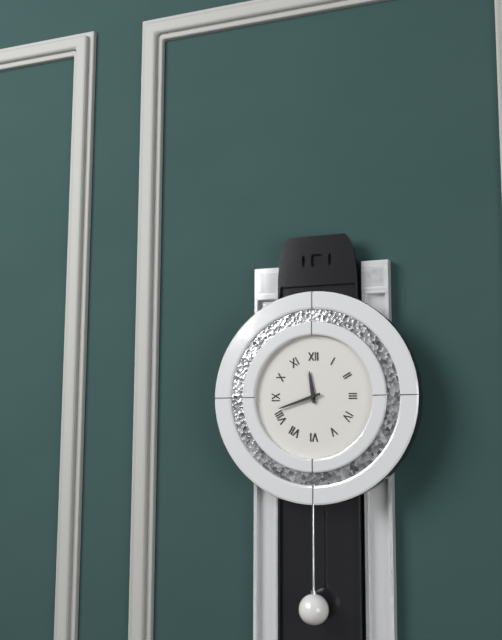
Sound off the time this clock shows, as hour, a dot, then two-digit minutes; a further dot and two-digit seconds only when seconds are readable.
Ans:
11.42
